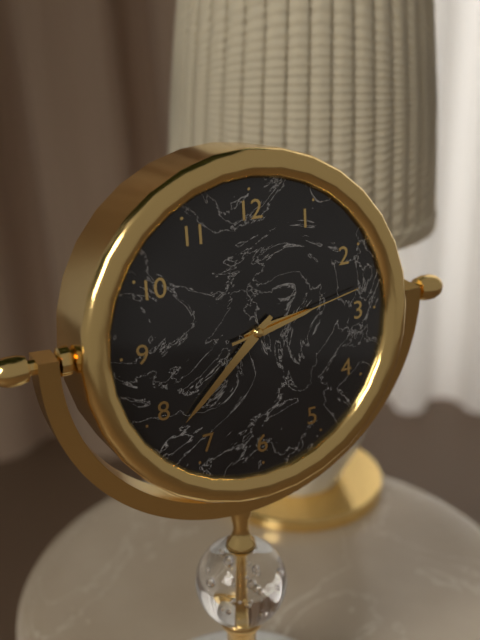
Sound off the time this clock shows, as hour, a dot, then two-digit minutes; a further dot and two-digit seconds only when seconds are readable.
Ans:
2.38.13
